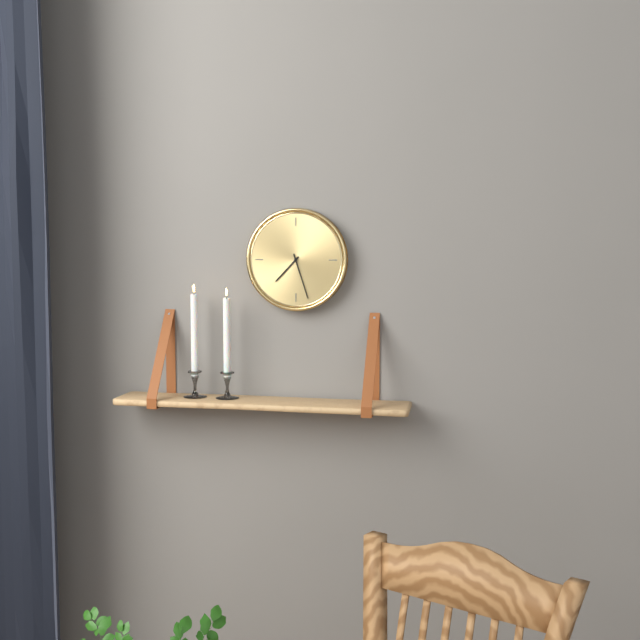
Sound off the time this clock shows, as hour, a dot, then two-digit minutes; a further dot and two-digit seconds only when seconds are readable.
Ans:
7.27
